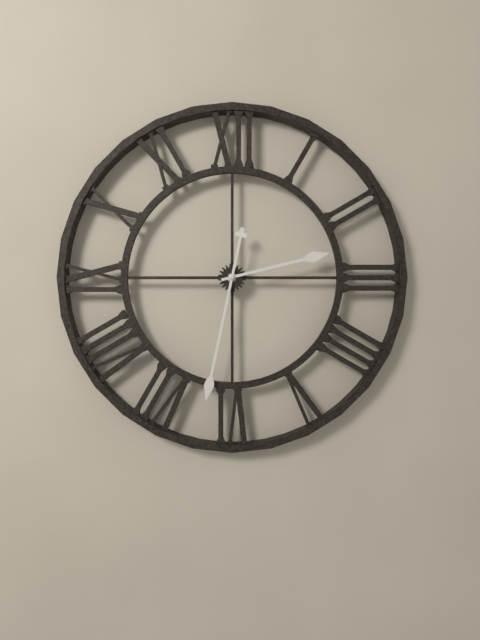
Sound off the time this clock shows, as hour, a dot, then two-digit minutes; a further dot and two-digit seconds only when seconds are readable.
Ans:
2.32
